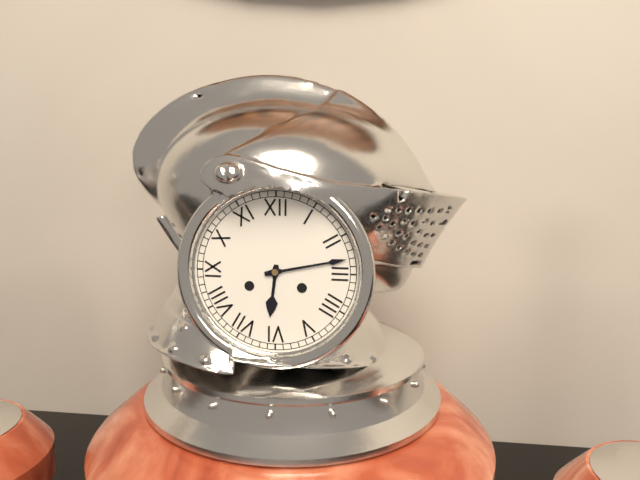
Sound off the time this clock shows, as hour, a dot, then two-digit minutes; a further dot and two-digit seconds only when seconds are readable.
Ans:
6.13
